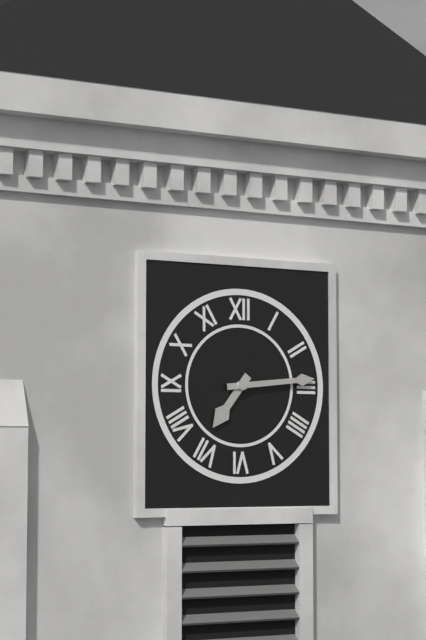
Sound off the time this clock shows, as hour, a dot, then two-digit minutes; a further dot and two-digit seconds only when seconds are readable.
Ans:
7.14
